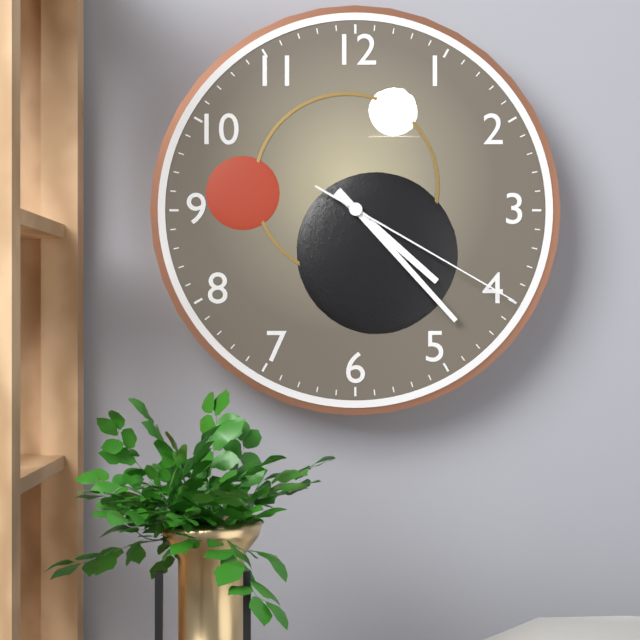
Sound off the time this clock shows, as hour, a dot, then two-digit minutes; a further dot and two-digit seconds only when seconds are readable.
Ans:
4.23.20
